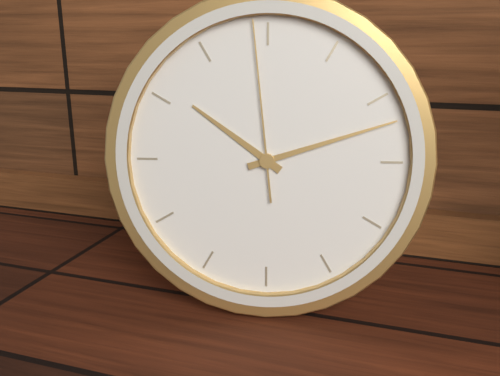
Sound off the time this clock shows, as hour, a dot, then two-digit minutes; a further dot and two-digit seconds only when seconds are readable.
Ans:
10.12.59
